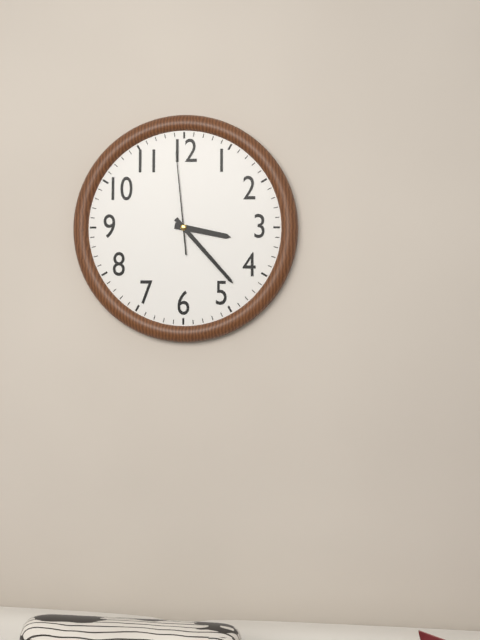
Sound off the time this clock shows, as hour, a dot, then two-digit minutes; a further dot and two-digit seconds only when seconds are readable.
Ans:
3.23.59
